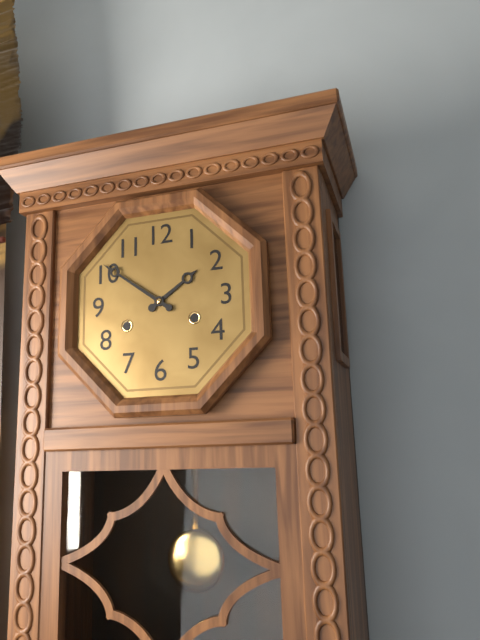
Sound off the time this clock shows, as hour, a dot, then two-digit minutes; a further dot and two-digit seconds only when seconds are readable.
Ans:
1.51
